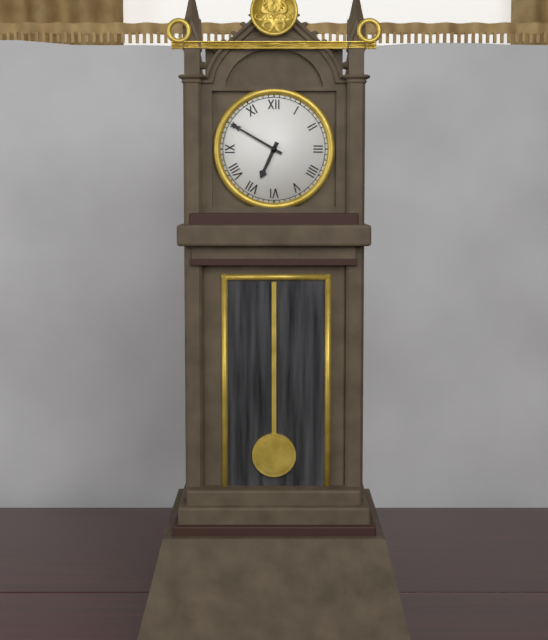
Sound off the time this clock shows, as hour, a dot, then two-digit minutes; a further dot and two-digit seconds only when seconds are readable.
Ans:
6.50
